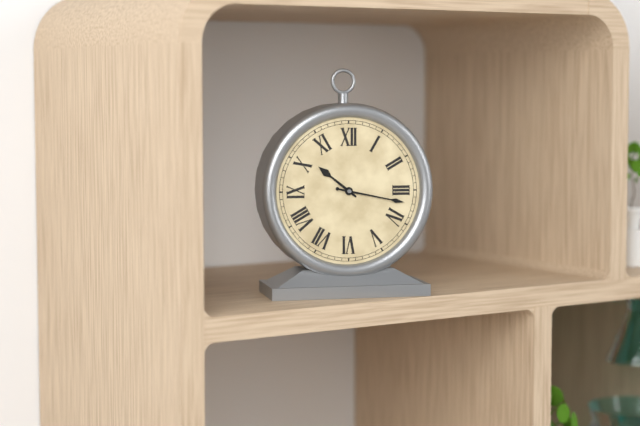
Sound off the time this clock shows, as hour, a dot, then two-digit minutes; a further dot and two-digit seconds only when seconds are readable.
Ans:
10.17
